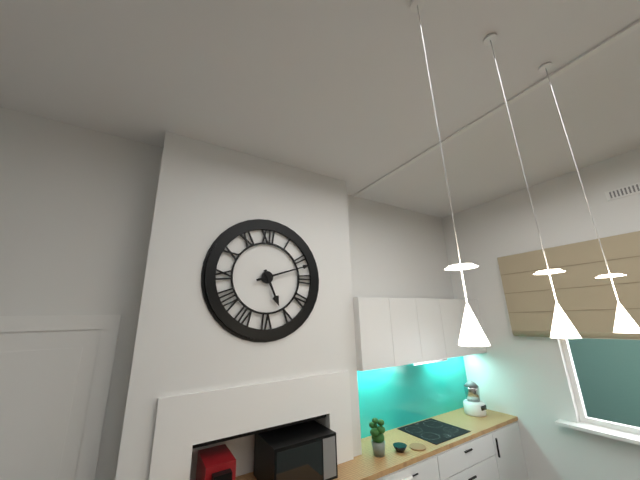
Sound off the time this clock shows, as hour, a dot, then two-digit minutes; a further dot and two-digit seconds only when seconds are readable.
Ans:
5.12
